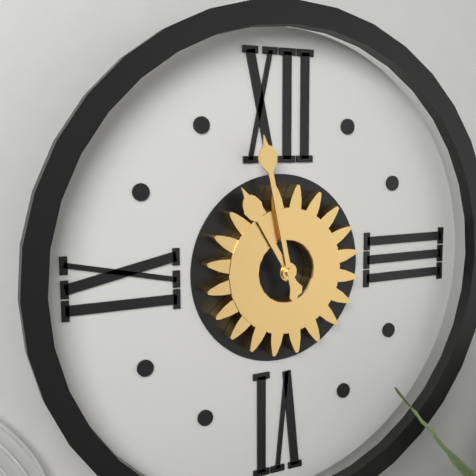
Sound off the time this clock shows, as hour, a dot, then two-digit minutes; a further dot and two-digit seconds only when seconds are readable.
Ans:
10.58
